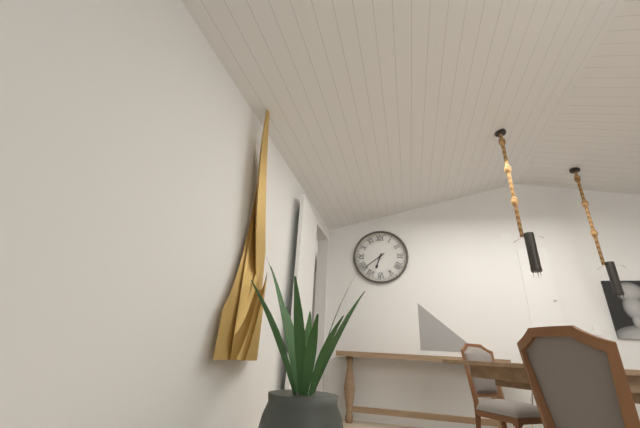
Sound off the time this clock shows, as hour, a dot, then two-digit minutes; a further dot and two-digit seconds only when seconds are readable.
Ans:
6.39
